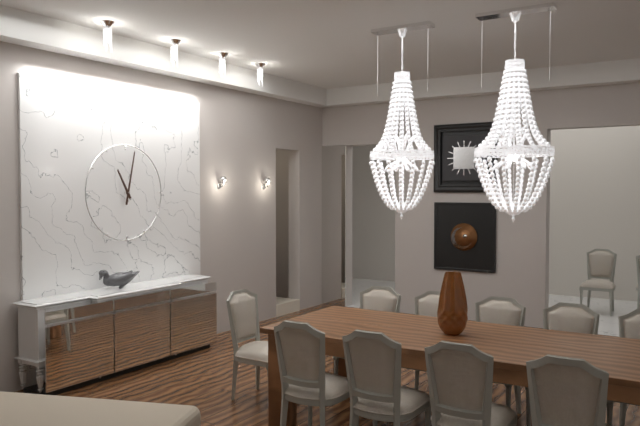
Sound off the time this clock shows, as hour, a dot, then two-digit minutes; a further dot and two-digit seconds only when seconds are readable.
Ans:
11.02
